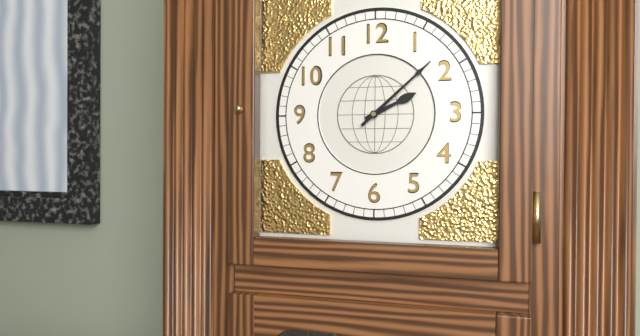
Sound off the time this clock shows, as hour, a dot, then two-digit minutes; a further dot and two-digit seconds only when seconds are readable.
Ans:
2.08
